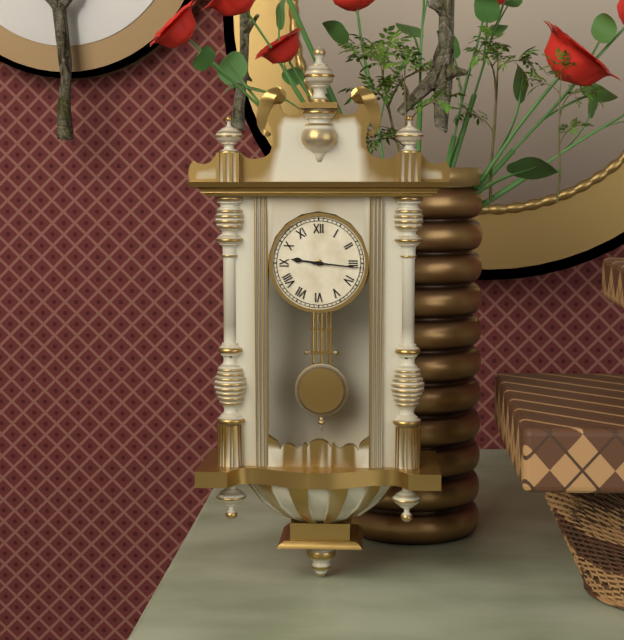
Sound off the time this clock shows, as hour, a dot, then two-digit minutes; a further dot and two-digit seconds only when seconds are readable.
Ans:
9.16
